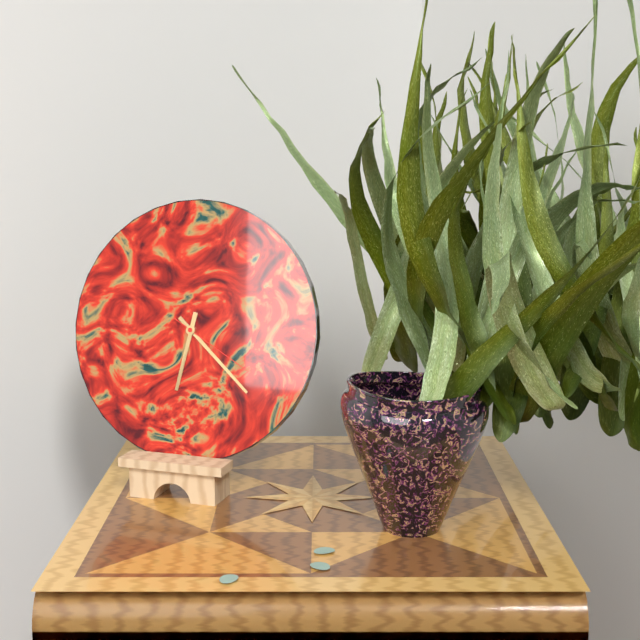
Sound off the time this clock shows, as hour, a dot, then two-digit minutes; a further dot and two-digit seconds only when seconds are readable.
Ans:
6.22.20
